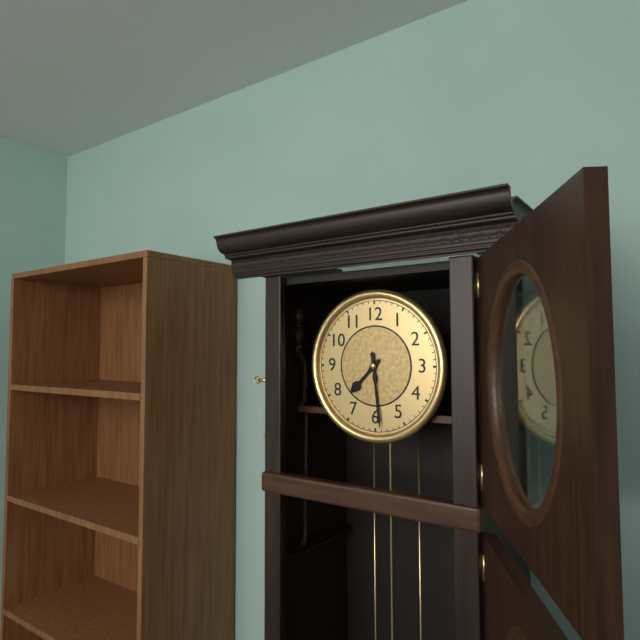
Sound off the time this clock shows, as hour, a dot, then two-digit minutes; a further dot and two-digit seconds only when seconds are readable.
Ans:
7.29
